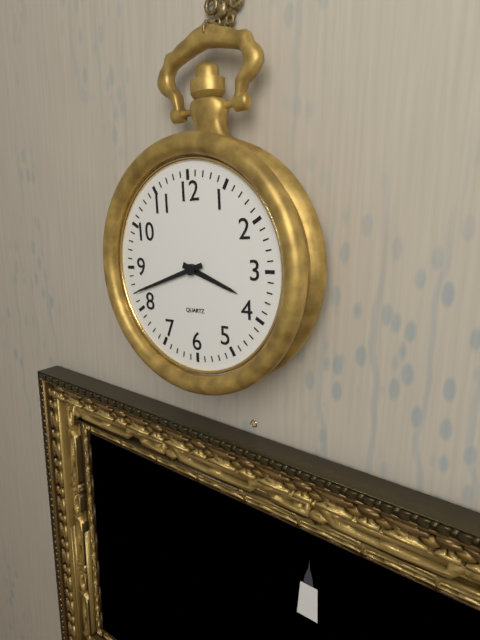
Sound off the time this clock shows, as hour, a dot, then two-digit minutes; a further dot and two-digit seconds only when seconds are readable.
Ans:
3.42
